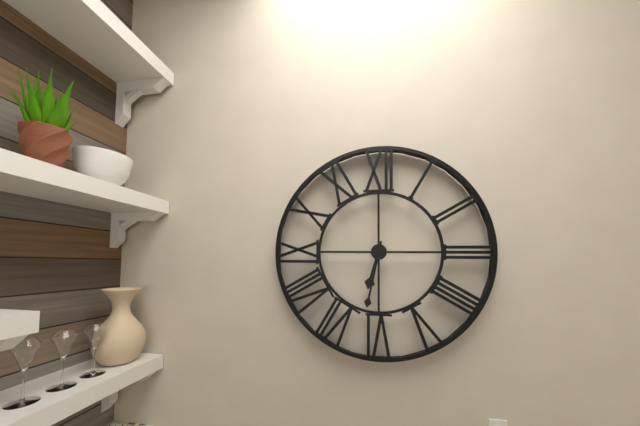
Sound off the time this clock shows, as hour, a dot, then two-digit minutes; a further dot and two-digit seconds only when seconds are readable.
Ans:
6.32
